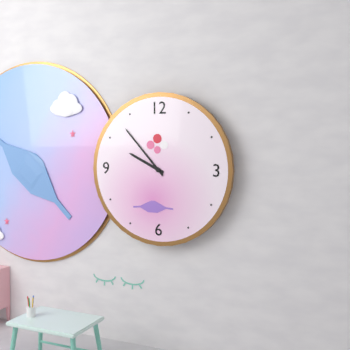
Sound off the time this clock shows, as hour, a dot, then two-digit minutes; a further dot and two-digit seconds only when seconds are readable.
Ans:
9.53
